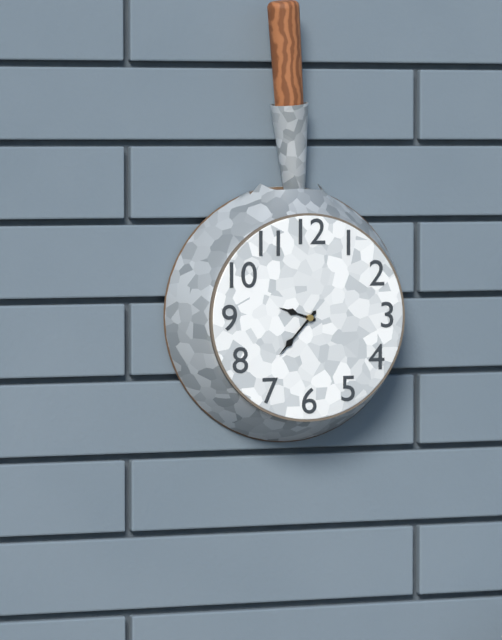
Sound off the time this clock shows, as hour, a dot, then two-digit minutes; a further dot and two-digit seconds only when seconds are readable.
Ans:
9.37
